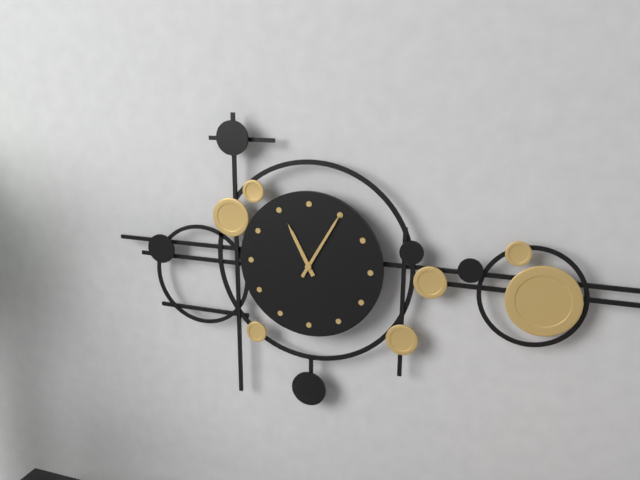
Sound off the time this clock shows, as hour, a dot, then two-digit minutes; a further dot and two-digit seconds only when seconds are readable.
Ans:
11.05
